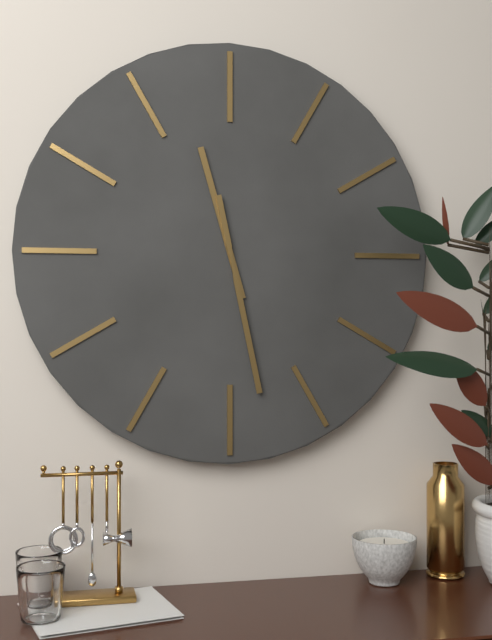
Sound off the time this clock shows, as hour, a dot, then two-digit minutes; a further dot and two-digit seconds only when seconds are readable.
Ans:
11.28
